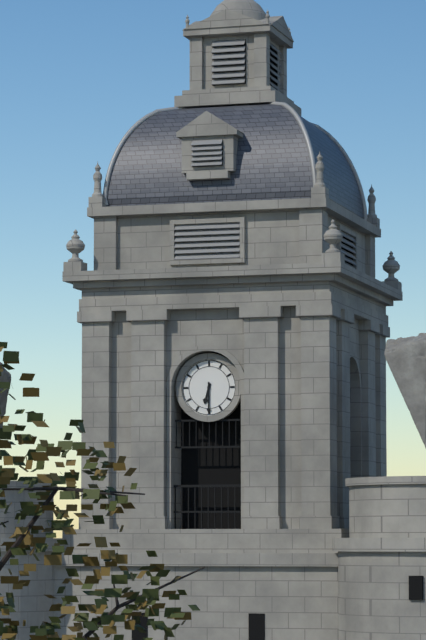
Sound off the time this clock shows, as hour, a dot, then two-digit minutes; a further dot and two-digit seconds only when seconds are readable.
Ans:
6.30
